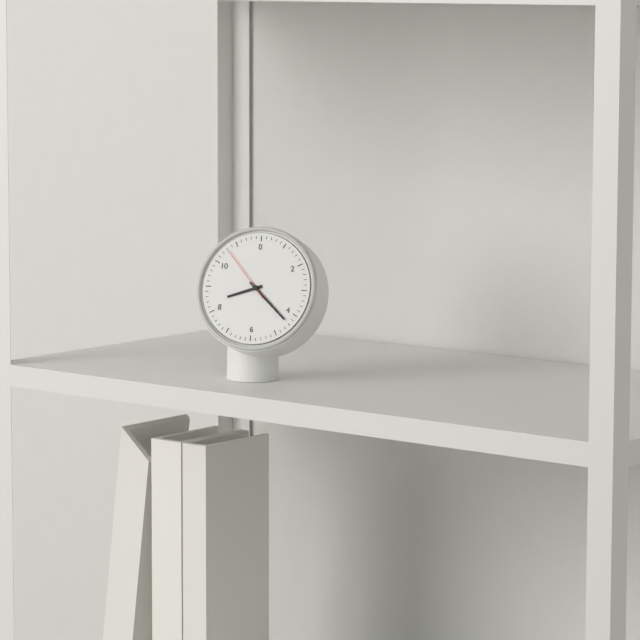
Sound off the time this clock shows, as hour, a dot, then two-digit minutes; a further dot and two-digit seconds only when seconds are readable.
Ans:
8.22.53
